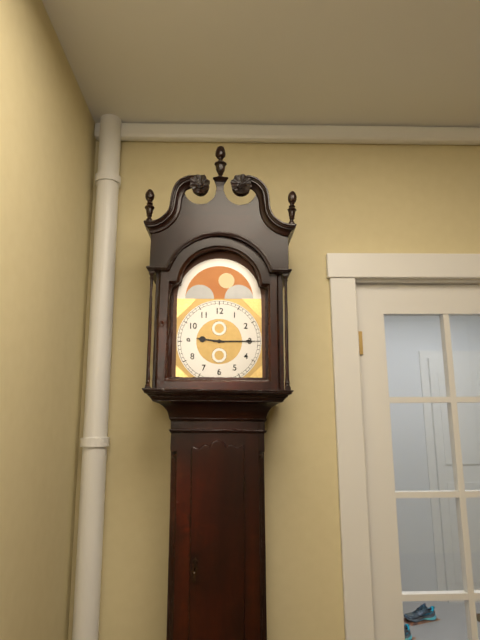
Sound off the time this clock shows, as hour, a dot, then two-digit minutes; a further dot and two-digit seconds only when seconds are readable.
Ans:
9.15
